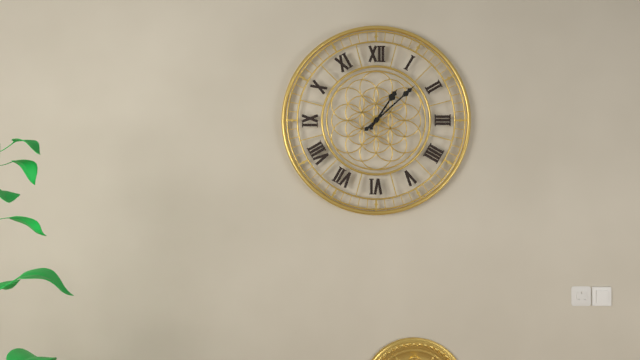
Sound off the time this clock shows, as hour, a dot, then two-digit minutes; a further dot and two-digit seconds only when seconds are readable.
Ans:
1.08
